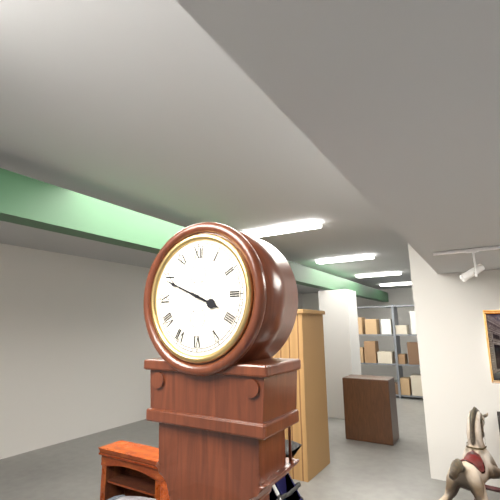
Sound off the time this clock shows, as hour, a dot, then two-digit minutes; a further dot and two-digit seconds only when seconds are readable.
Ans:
3.49
